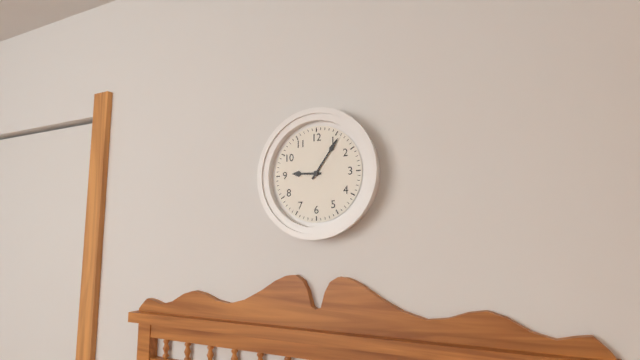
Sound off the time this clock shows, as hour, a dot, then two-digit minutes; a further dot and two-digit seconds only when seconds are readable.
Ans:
9.06
